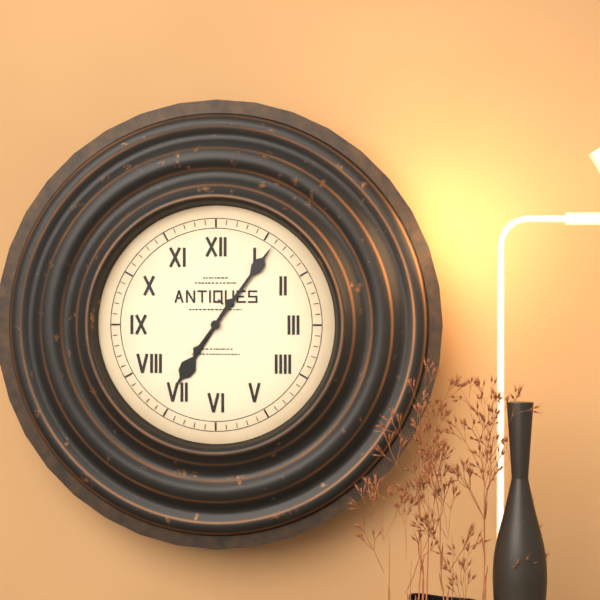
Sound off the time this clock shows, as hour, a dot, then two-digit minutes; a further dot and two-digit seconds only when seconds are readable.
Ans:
7.06
